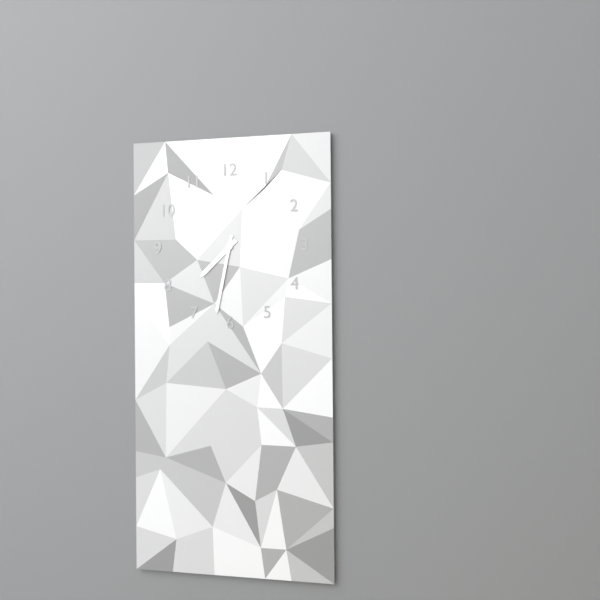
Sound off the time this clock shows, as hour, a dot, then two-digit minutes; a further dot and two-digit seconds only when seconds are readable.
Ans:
7.32
